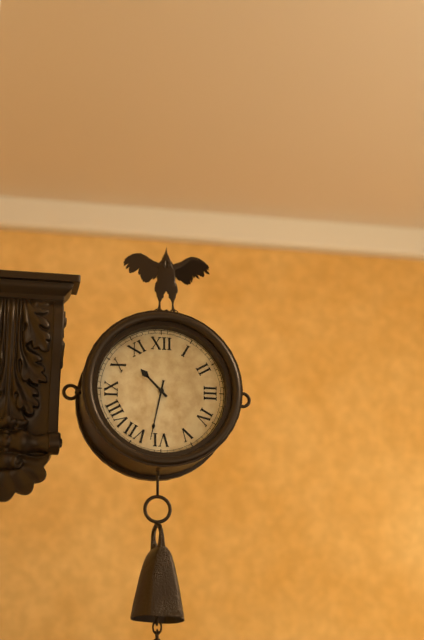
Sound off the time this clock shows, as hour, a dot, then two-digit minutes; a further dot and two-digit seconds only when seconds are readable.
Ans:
10.32
